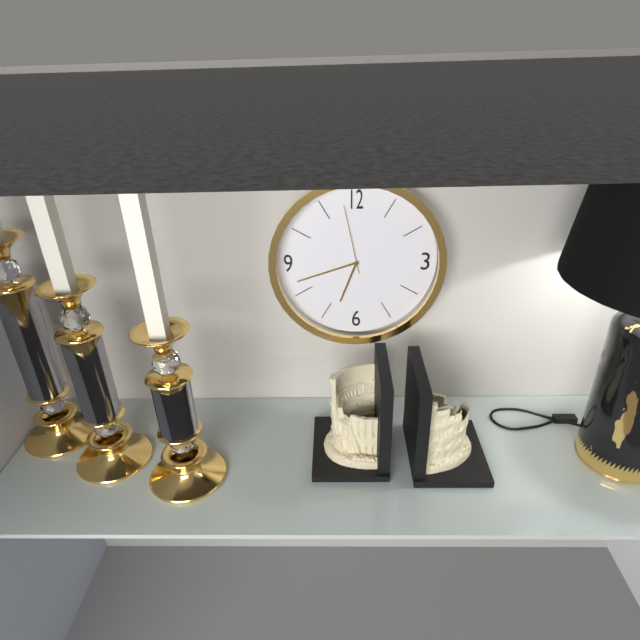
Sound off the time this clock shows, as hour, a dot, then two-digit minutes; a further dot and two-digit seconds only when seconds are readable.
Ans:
6.42.58
